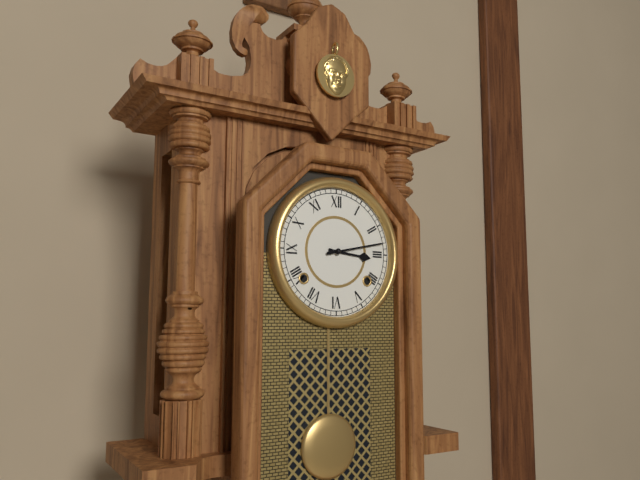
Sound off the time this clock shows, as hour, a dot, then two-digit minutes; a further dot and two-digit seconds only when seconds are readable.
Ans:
3.13
